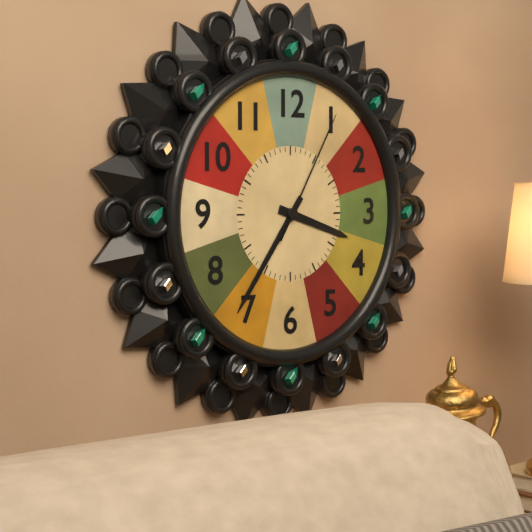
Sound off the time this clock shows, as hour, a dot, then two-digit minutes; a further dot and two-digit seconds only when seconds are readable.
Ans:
3.36.05
